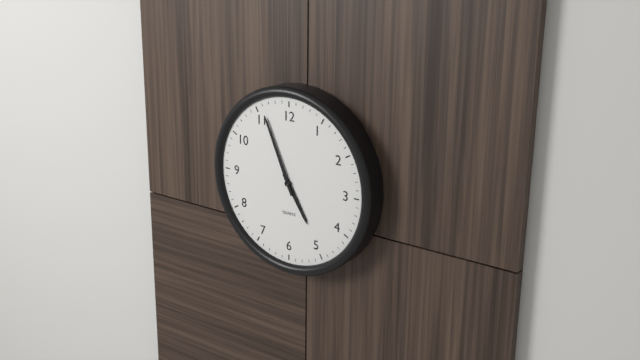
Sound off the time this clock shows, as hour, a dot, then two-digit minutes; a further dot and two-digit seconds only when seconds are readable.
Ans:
4.56
